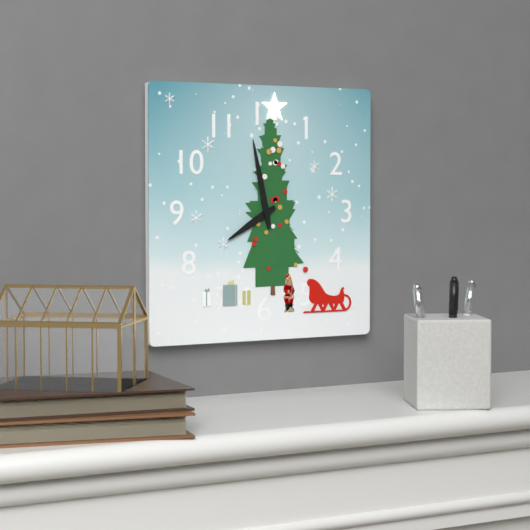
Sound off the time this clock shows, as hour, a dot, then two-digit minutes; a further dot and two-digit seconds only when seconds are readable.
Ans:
7.58
